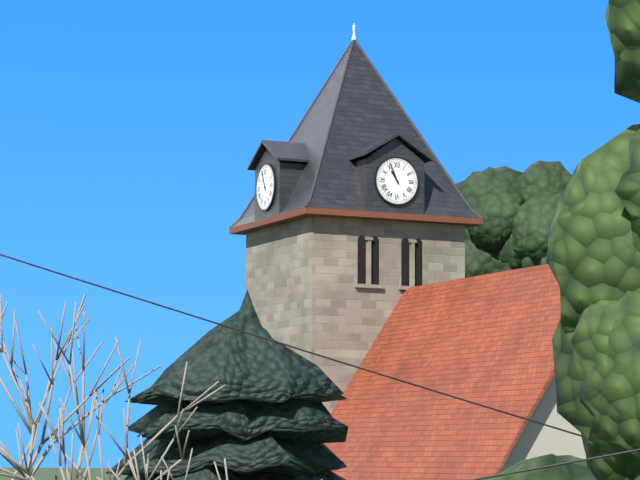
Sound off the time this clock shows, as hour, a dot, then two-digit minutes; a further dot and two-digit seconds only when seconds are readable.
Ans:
10.56
